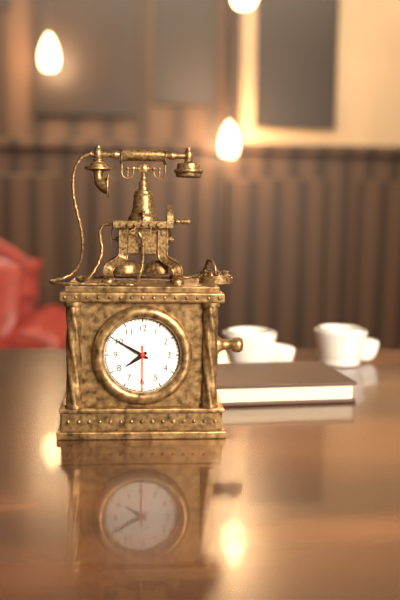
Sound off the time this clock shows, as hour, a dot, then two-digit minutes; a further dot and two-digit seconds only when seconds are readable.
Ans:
7.50
